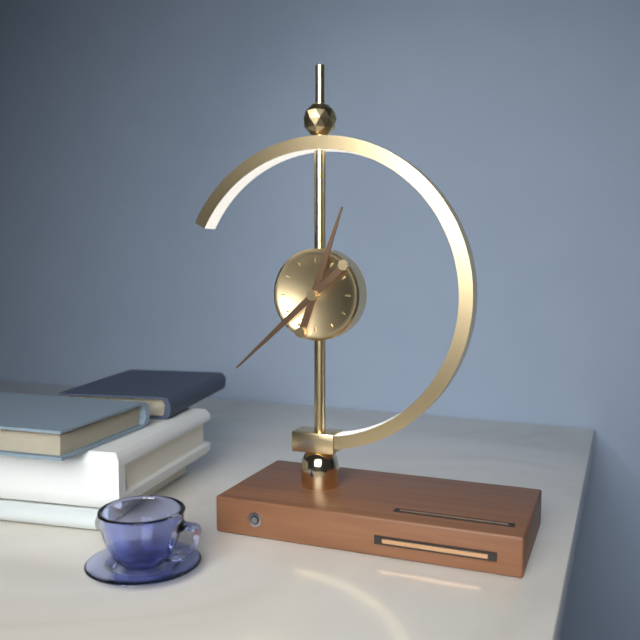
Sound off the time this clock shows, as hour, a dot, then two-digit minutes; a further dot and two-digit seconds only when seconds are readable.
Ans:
12.38
